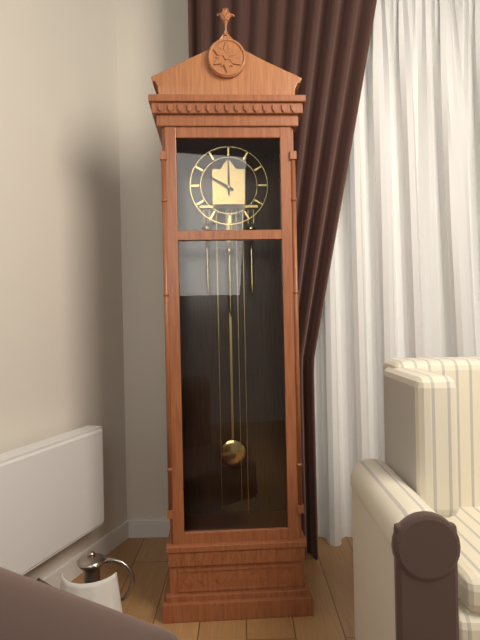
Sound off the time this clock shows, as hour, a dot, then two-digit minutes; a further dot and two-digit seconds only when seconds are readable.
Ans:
10.00
